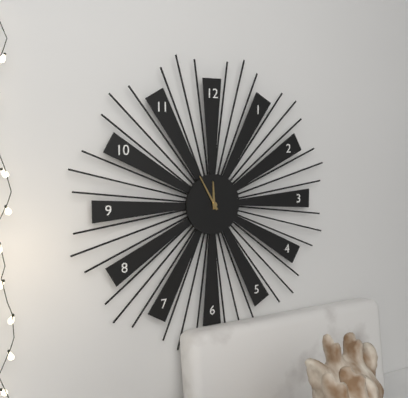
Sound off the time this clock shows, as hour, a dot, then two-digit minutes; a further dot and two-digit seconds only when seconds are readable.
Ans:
11.55
